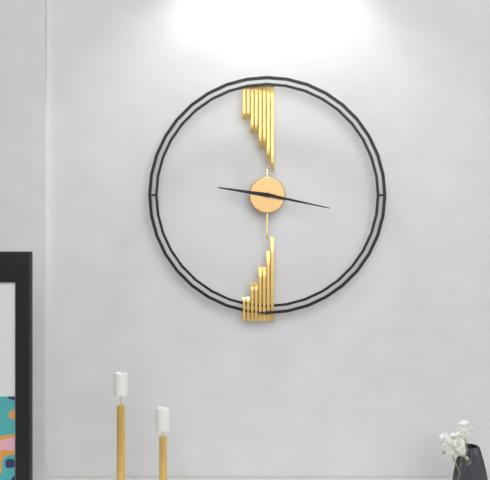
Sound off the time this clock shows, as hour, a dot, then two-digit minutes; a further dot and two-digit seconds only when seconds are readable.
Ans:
9.17
